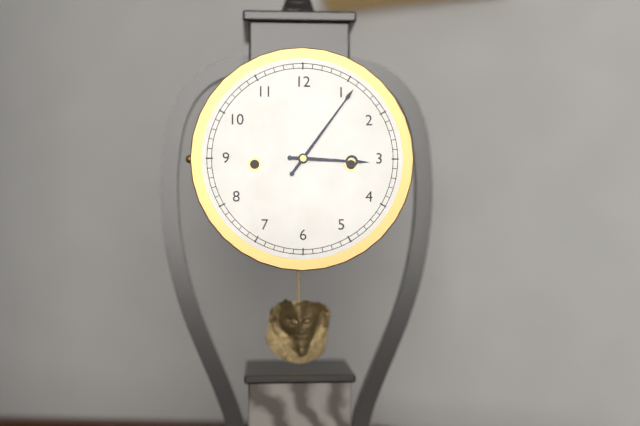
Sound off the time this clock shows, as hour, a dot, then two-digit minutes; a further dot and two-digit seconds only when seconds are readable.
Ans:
3.06
